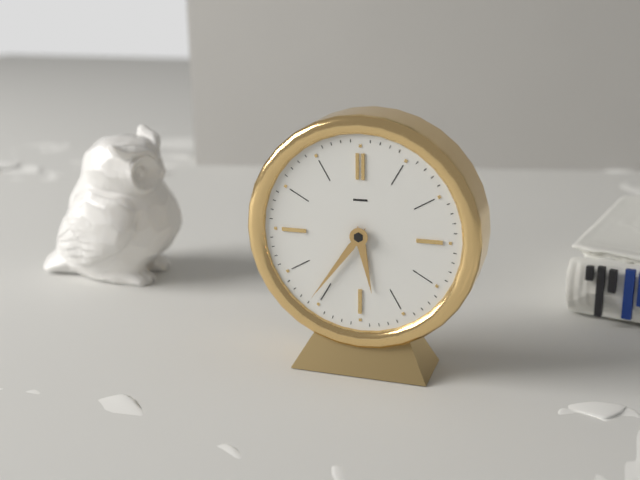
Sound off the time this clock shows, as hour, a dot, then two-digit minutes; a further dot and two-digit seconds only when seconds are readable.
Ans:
5.36
